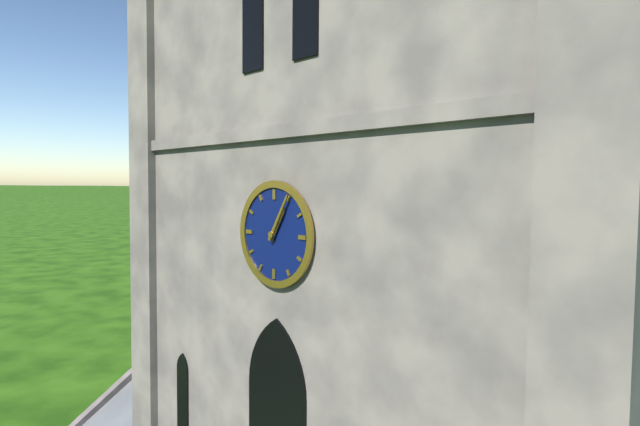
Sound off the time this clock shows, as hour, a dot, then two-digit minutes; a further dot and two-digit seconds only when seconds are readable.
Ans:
1.05
